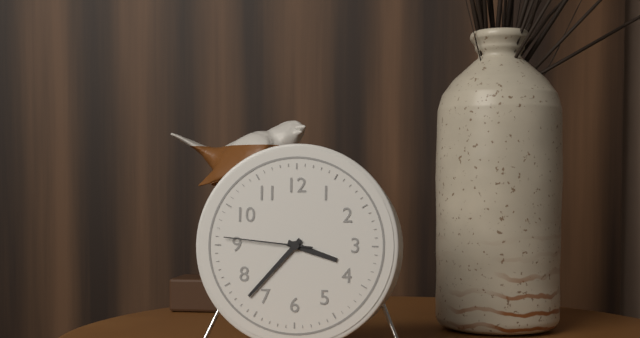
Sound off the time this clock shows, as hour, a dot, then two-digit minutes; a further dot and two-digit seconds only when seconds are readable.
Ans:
3.37.46
